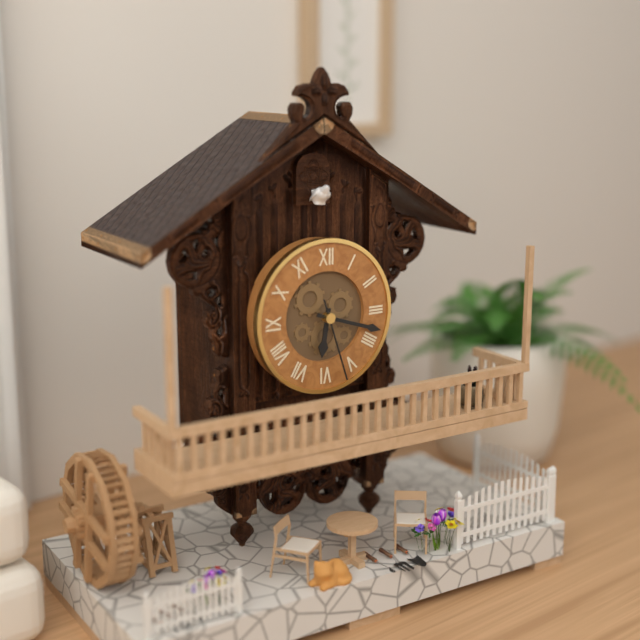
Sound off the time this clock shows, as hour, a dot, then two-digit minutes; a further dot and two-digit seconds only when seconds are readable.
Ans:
6.18.27
